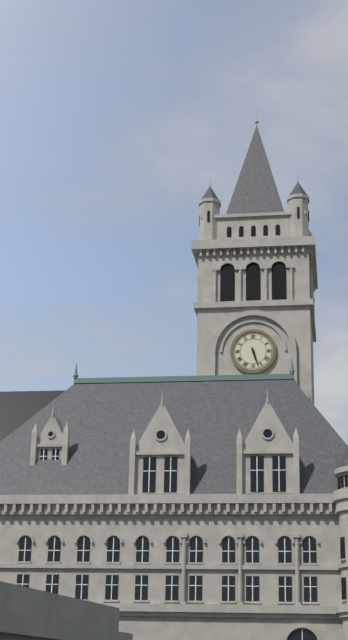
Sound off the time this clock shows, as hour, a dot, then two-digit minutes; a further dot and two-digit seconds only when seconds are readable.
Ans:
5.27
